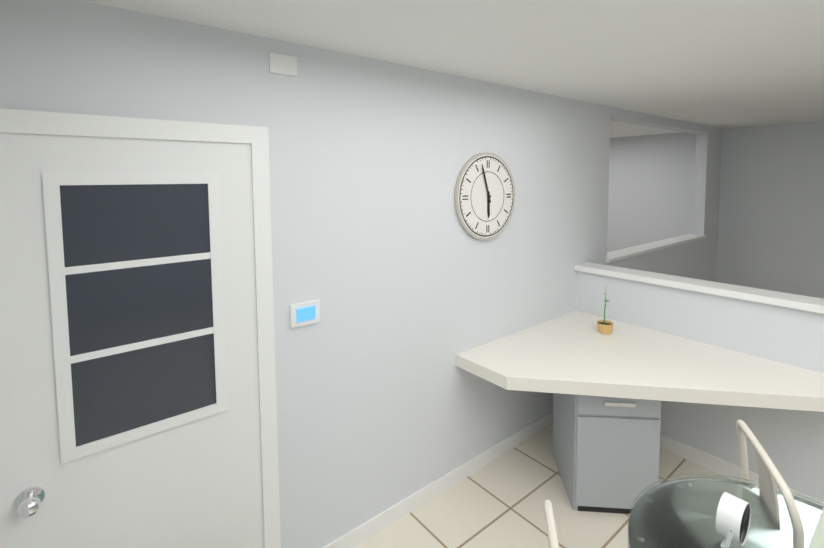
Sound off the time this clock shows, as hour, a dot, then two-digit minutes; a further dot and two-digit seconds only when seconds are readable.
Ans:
5.57
